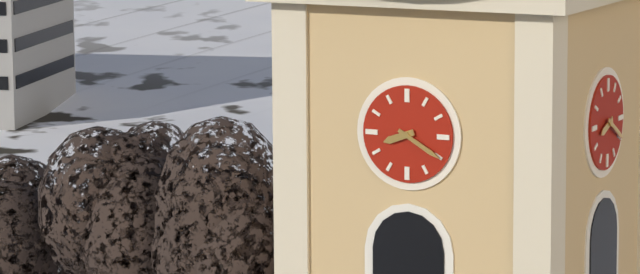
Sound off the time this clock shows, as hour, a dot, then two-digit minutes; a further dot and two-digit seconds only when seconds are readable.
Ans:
8.20
